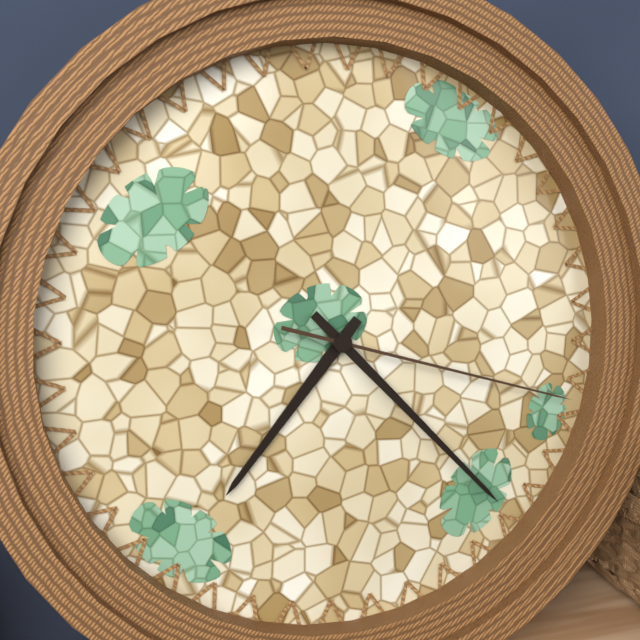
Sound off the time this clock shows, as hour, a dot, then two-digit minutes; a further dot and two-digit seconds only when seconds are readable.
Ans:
7.23.18
